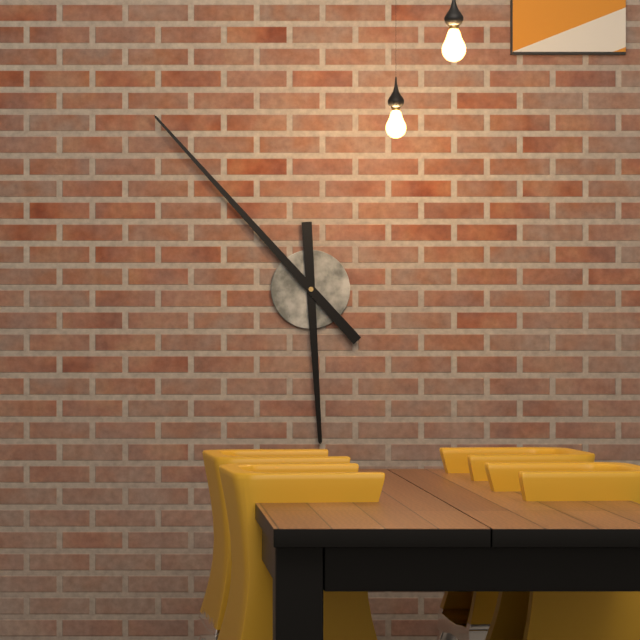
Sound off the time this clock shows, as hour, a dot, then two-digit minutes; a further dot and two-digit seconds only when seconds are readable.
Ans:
5.53
